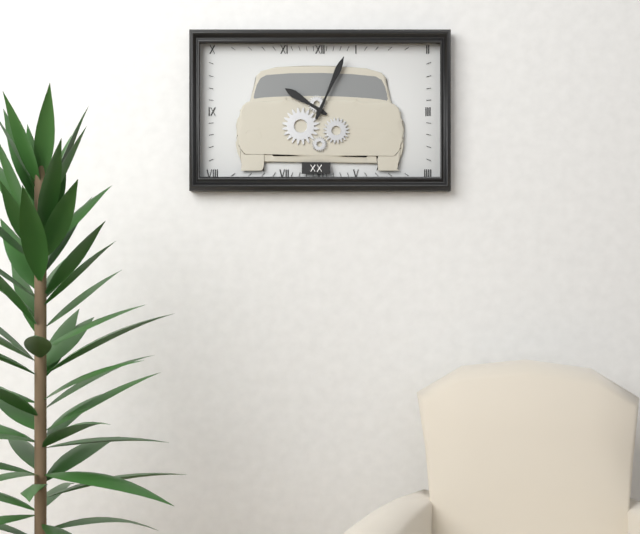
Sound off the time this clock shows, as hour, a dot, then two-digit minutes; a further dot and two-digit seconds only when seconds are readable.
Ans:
10.04
